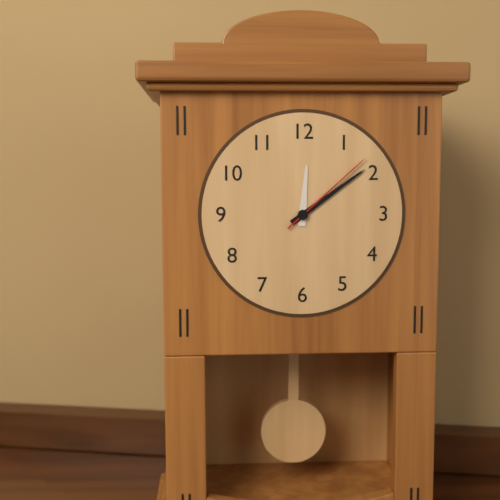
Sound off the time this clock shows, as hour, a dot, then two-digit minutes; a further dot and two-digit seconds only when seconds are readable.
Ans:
12.09.08
